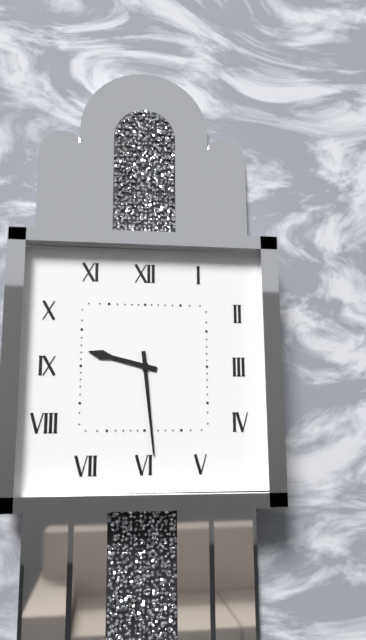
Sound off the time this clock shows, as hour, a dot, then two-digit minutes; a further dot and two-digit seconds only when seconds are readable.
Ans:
9.29
